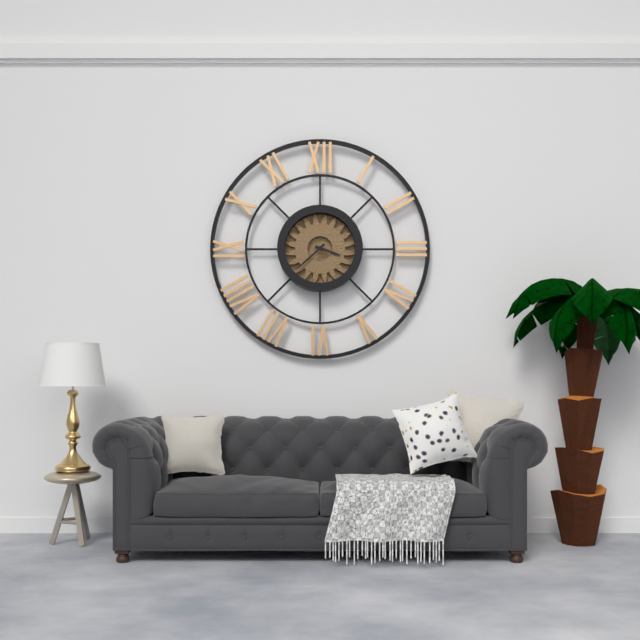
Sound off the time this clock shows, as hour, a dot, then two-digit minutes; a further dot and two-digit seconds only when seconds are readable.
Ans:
3.38
